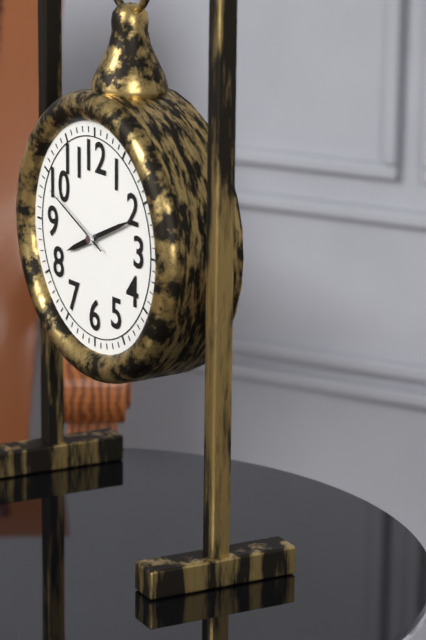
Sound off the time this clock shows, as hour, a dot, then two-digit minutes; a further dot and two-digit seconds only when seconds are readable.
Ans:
8.11.49
